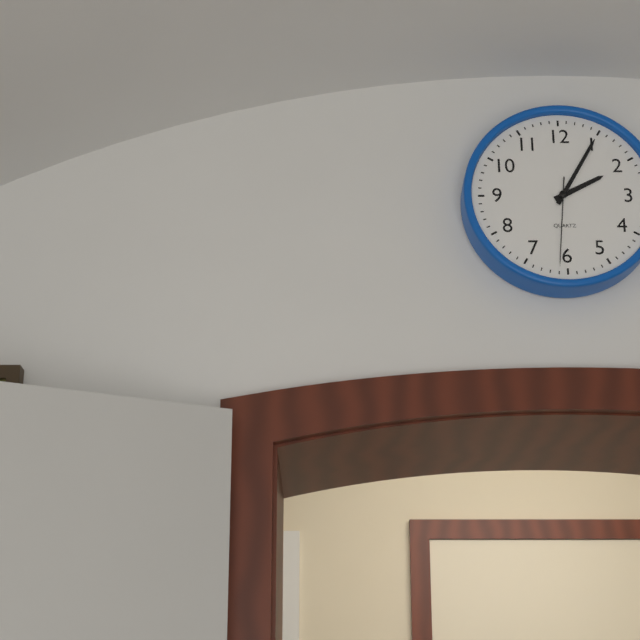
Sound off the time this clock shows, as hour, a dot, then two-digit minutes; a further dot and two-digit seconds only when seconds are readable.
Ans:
2.05.31
